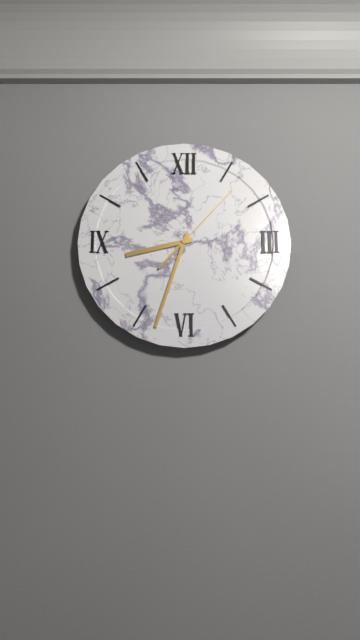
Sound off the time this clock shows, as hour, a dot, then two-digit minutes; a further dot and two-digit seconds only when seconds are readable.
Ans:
8.33.07
